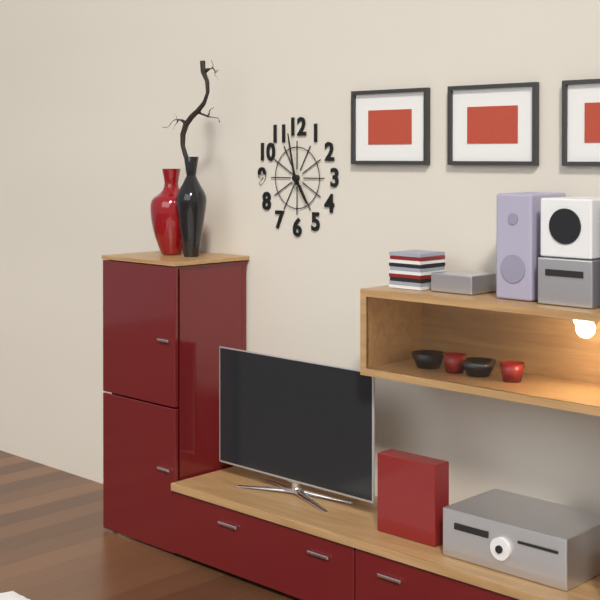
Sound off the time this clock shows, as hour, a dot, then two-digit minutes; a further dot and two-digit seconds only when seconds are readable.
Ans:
4.58
